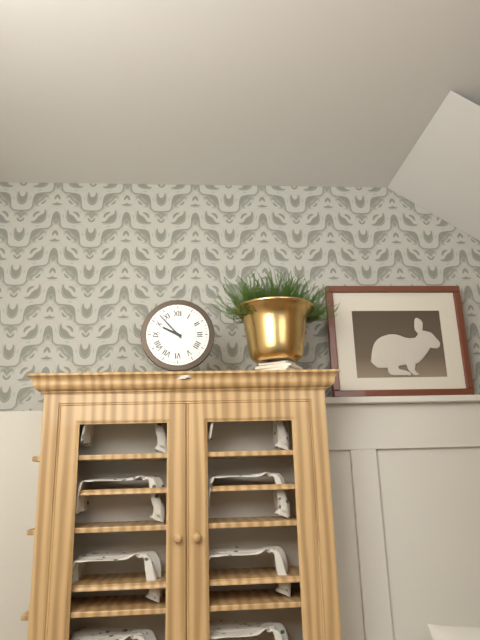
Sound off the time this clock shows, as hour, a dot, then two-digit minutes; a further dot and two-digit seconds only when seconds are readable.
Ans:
9.53
